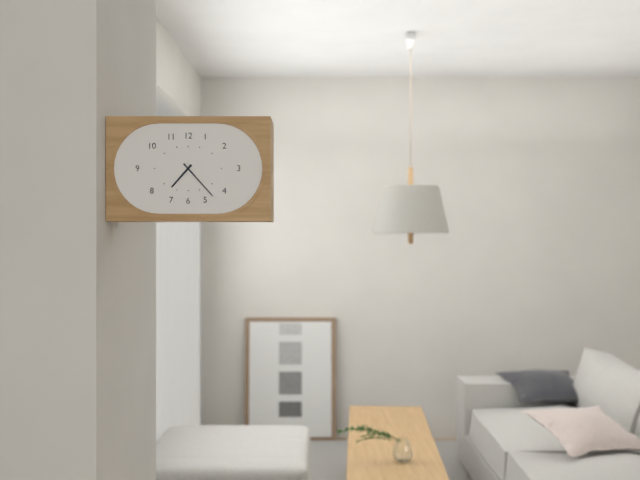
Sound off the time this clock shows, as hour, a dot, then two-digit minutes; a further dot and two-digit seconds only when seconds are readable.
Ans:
7.23
